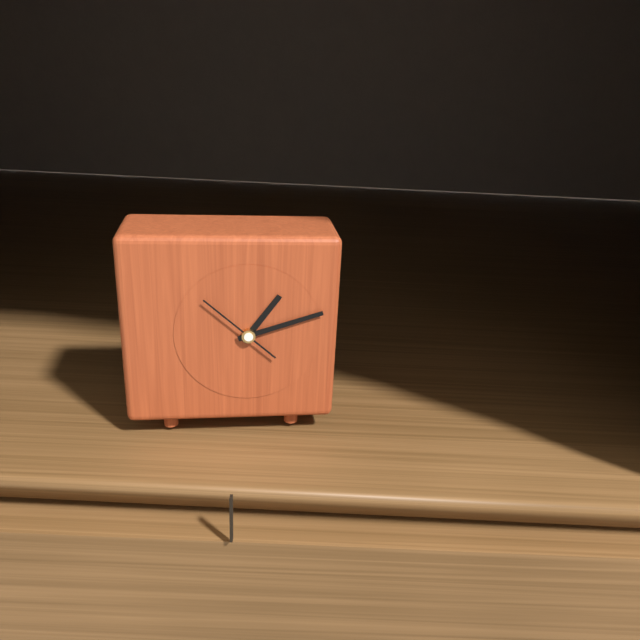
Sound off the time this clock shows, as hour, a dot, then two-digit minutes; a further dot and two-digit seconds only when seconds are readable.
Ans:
1.12.52
